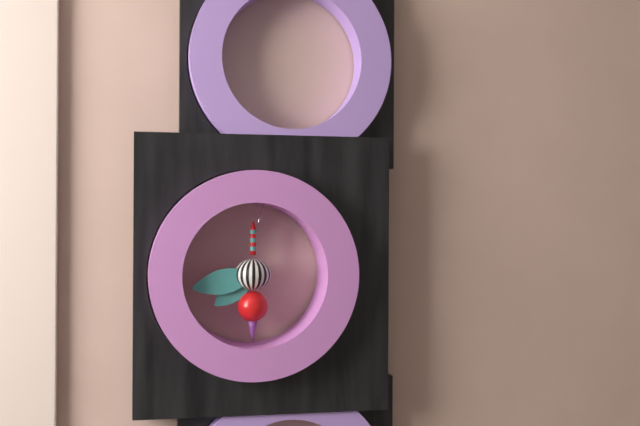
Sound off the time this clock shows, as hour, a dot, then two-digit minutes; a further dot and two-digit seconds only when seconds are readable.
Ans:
7.43
